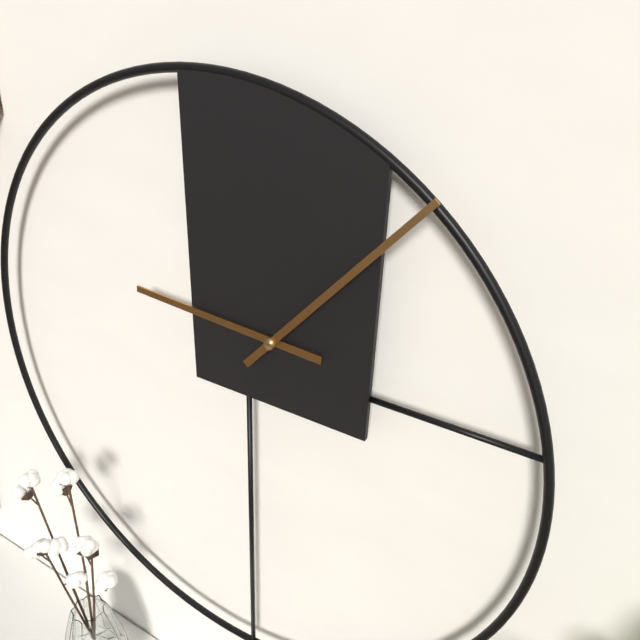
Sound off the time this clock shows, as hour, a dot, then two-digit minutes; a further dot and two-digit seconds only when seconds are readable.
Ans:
9.07
